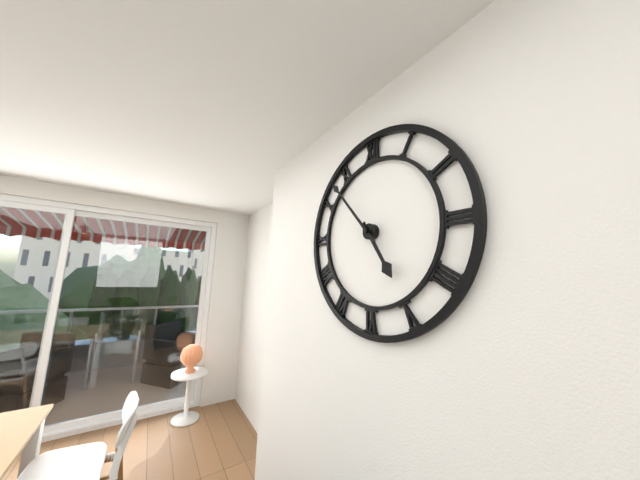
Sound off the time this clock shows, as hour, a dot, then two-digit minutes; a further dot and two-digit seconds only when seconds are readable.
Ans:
4.53
